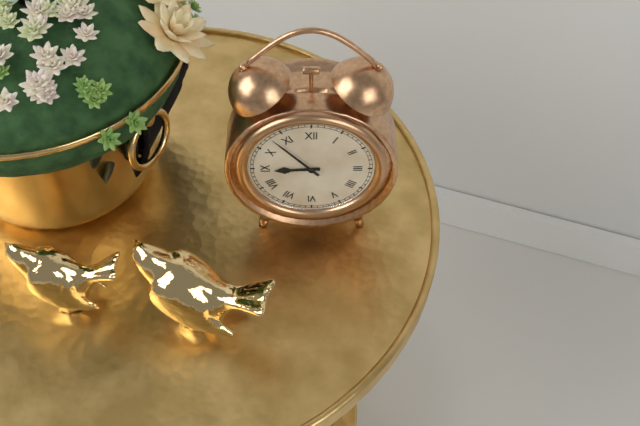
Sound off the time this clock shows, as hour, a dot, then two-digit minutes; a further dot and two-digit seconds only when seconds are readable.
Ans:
8.53
